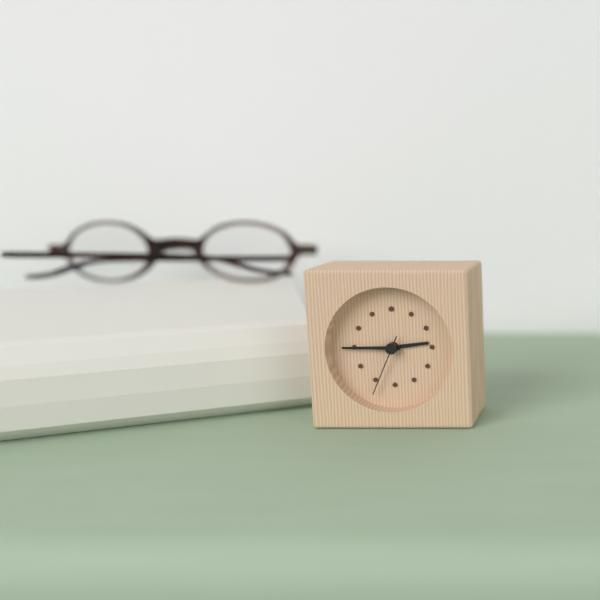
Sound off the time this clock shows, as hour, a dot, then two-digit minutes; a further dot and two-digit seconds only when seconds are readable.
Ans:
2.45.34
